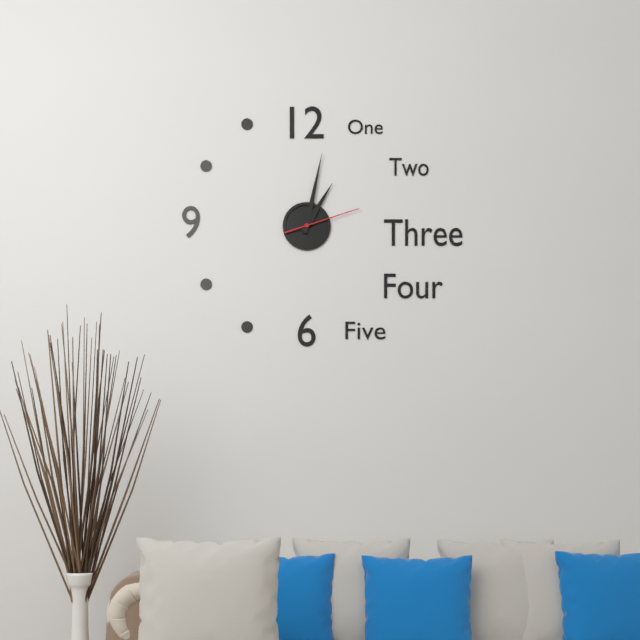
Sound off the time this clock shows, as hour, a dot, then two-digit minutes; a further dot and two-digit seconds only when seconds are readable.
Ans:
1.02.12
